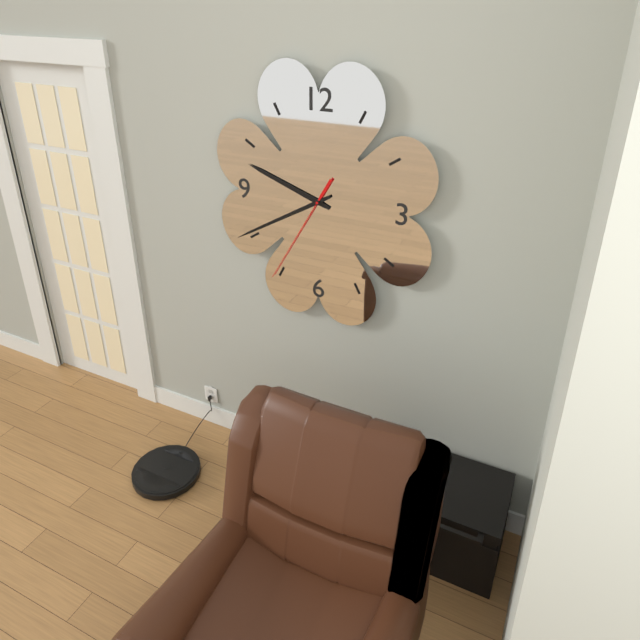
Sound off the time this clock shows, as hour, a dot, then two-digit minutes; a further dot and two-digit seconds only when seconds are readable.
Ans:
9.40.35
